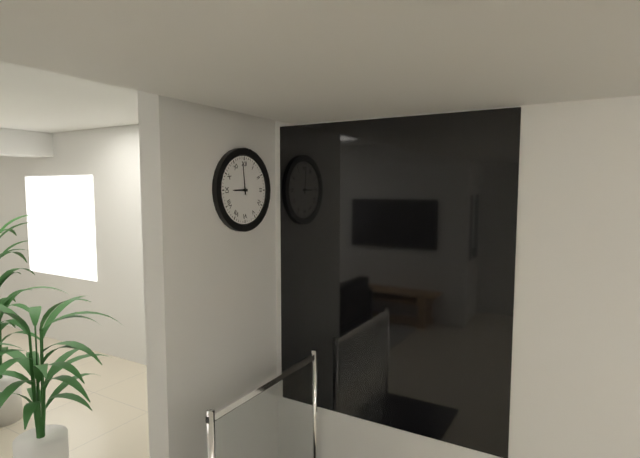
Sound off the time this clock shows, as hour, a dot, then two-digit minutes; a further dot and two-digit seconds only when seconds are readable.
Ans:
8.59
